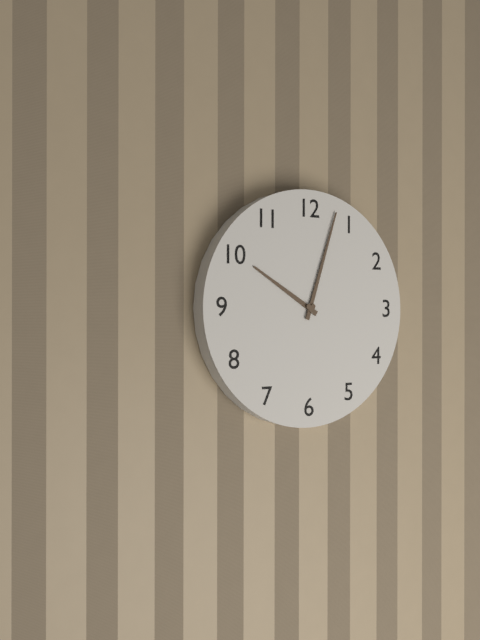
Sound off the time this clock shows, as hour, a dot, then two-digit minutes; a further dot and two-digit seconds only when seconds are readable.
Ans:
10.03
